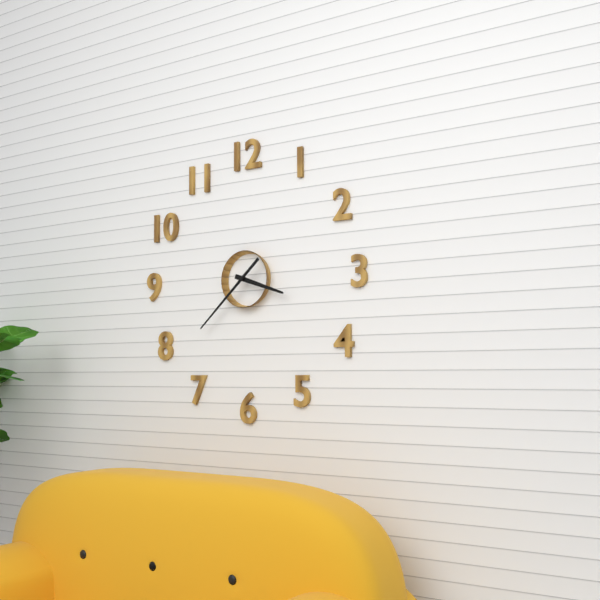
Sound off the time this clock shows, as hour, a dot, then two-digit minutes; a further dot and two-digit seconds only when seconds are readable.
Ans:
3.38
